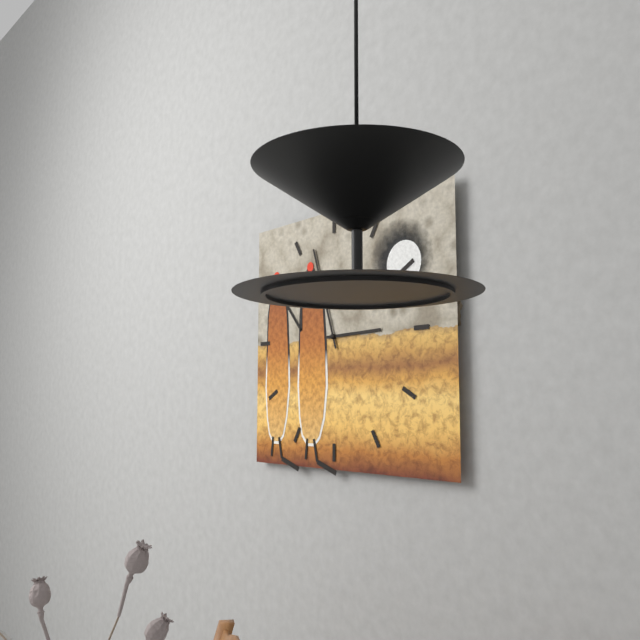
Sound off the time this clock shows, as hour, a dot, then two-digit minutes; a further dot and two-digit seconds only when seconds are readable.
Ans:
2.57
